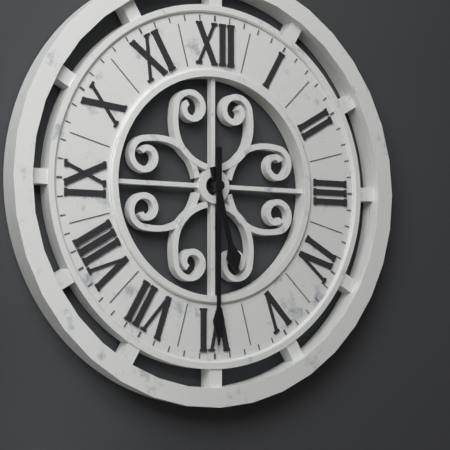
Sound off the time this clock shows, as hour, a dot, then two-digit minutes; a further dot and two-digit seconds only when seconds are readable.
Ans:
5.30
